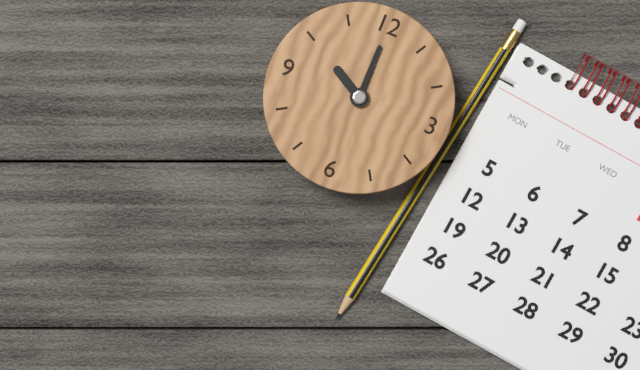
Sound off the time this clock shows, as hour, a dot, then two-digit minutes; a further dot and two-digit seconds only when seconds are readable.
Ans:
10.00
